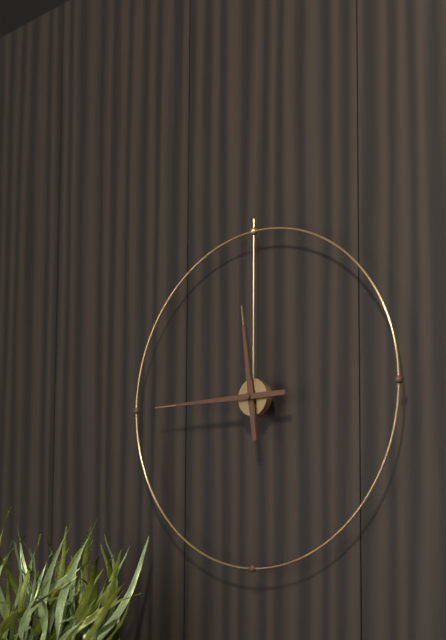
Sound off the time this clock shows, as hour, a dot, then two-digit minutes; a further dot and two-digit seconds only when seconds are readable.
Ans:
11.45
